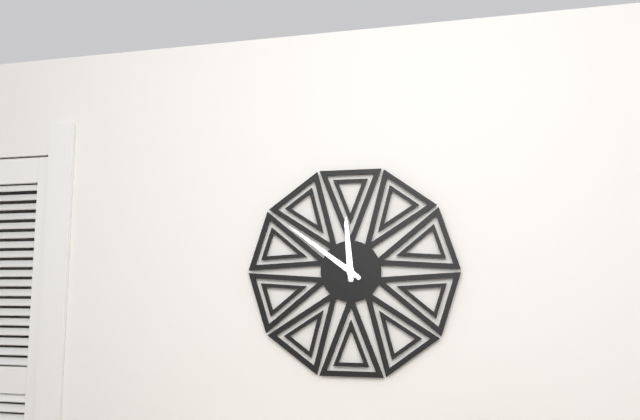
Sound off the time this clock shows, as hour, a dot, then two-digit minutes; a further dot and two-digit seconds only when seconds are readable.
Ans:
11.51
